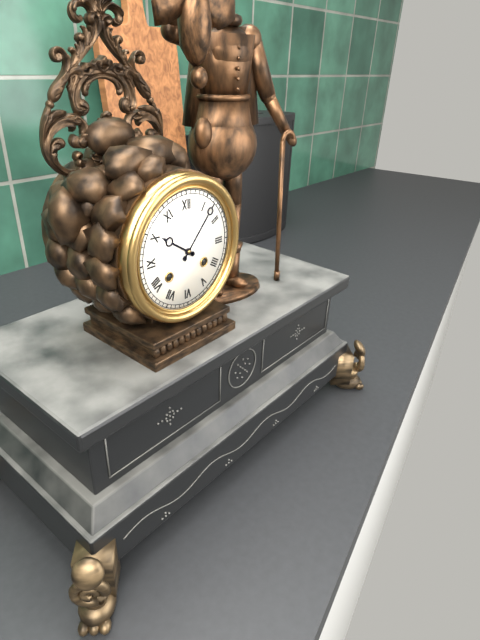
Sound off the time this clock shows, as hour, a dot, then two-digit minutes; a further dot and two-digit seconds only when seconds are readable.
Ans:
10.07
